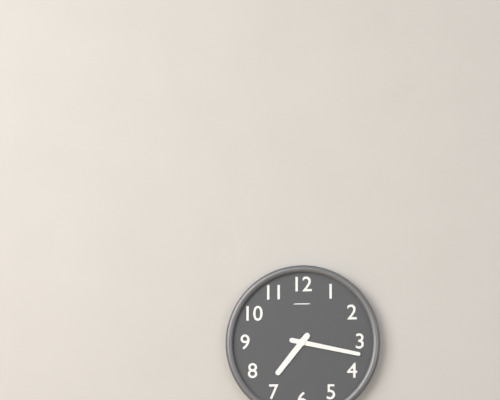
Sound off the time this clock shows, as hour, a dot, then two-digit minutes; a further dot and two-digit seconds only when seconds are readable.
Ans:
7.17
